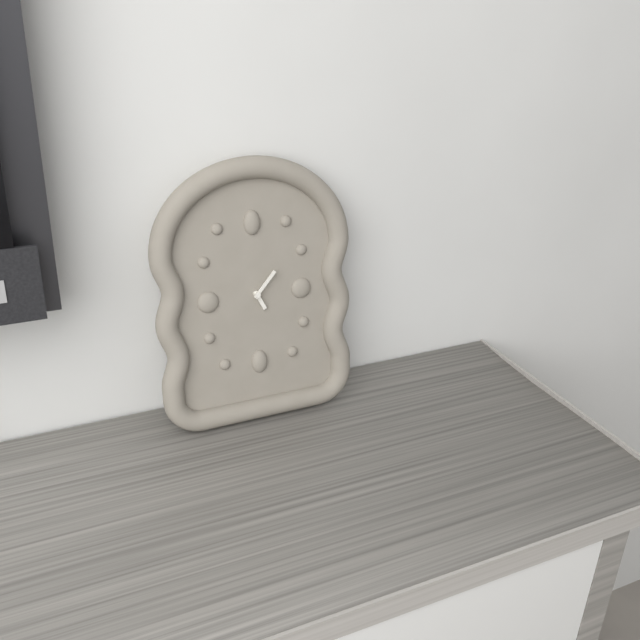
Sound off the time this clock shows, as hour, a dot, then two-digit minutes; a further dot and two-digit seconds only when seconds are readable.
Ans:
5.07
